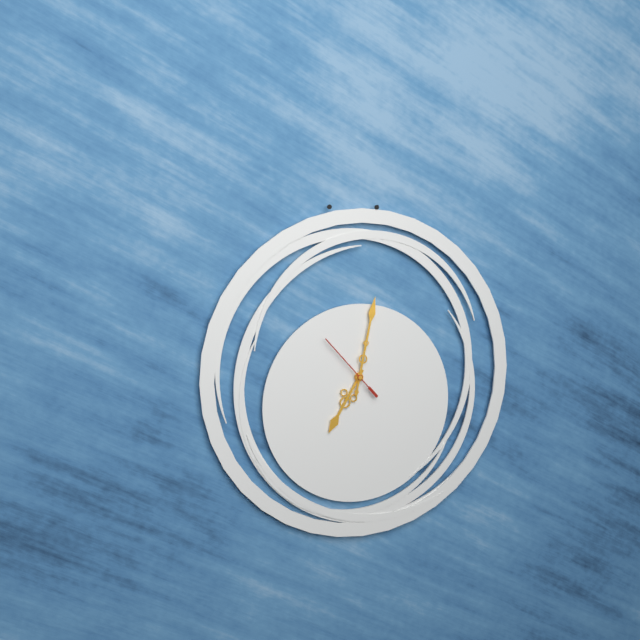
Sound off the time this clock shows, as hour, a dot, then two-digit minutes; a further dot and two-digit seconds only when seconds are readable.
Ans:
7.02.53
